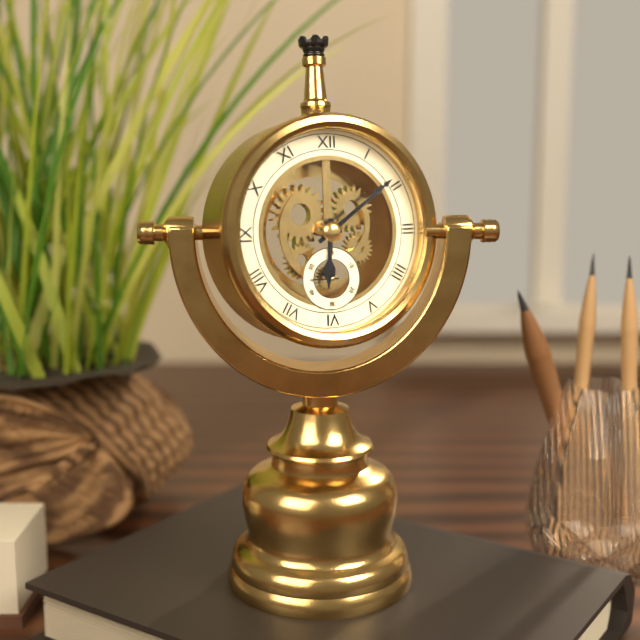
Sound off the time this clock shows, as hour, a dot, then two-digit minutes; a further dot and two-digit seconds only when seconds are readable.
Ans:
6.09
